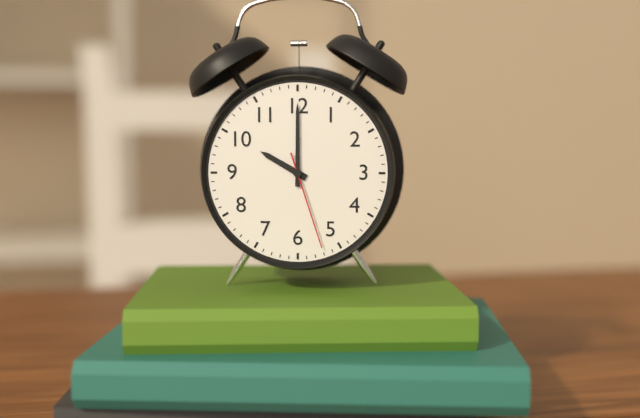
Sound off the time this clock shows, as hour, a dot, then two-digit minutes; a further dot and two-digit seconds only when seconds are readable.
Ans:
10.00.27
